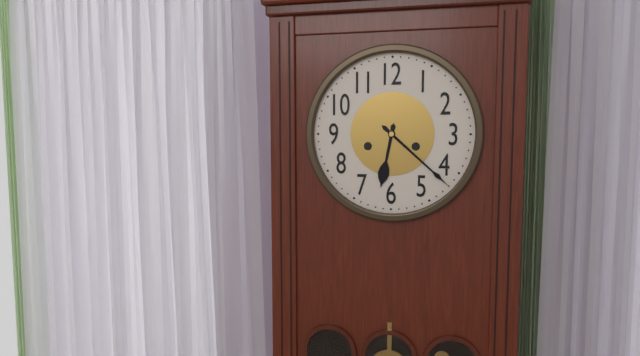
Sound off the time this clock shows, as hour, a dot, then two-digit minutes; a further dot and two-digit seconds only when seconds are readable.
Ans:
6.22
